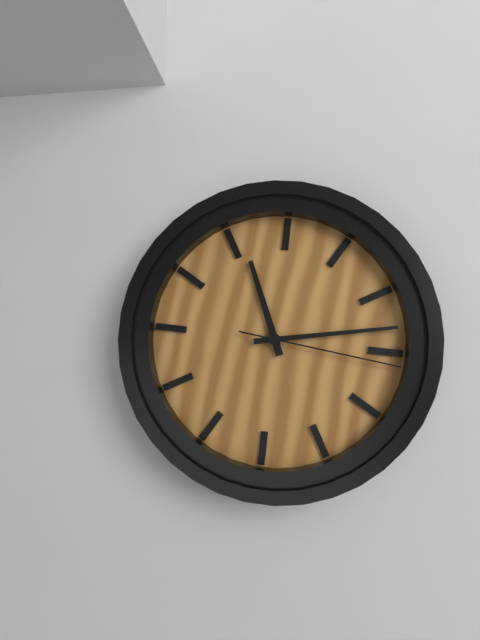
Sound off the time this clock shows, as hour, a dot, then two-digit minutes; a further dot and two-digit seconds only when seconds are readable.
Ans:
11.13.16
